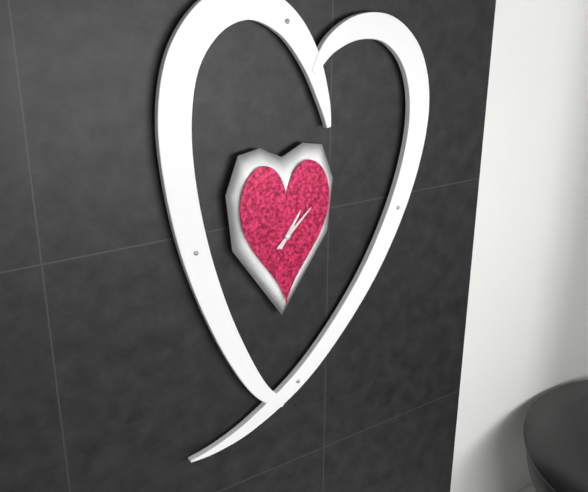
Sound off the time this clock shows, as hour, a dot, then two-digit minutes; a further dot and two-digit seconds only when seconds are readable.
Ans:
1.08
